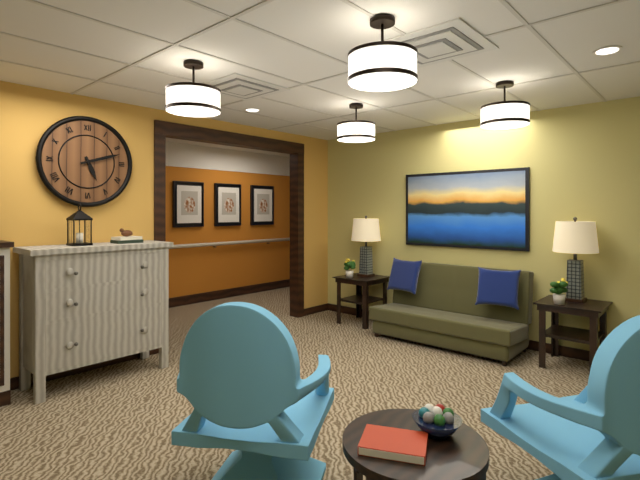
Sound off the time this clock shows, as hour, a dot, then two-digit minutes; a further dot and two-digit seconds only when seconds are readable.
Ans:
5.12
